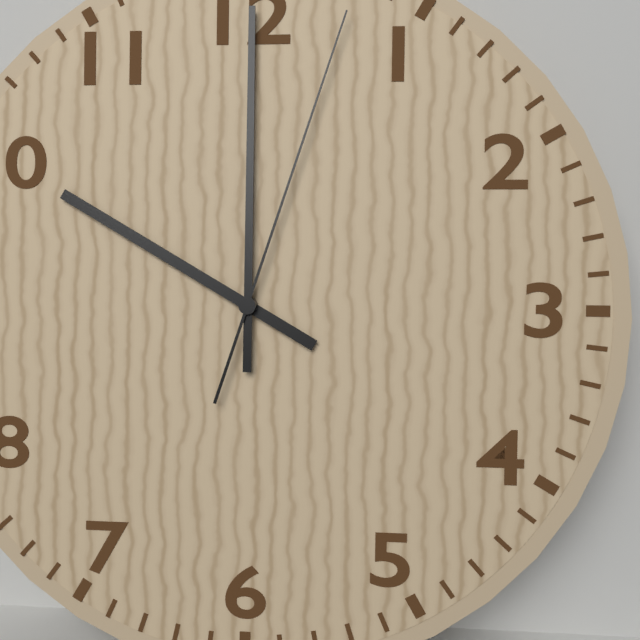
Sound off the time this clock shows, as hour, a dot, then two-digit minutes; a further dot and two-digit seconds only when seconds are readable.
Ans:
10.00.03
